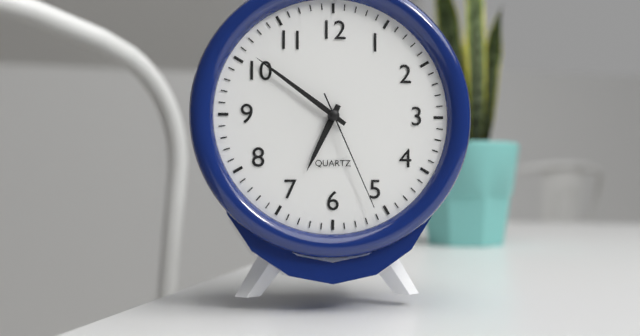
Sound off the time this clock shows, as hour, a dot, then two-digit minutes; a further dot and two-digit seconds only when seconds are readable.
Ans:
6.51.26
